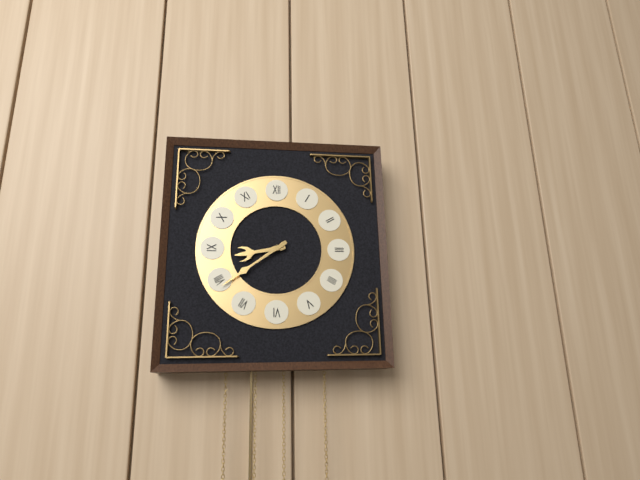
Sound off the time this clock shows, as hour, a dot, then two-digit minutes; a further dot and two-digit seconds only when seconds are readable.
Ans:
8.39
